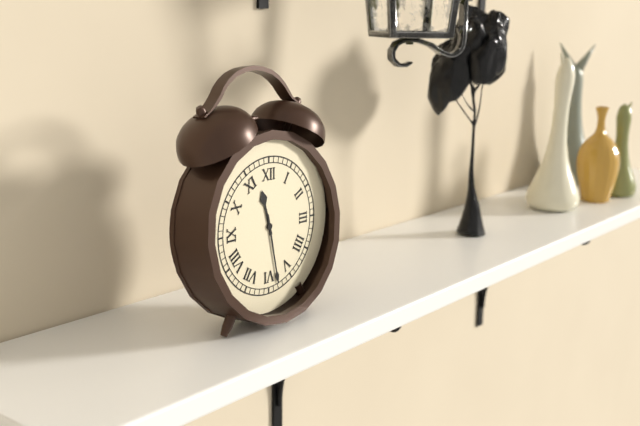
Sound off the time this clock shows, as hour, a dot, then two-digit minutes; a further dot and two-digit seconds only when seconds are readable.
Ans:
11.28
